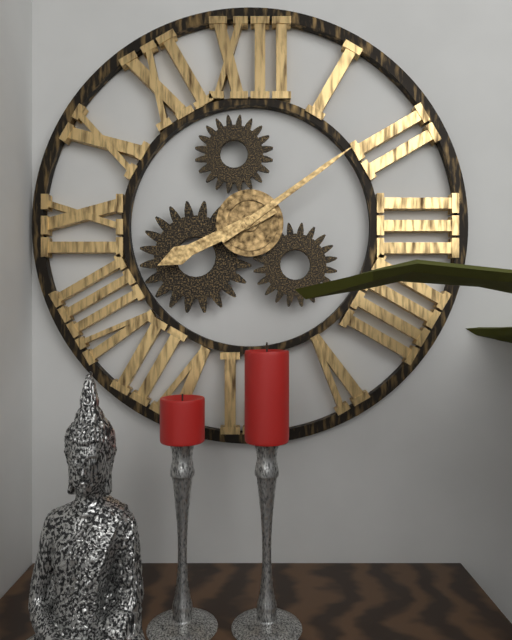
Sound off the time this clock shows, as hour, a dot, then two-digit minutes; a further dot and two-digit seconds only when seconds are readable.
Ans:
8.09
